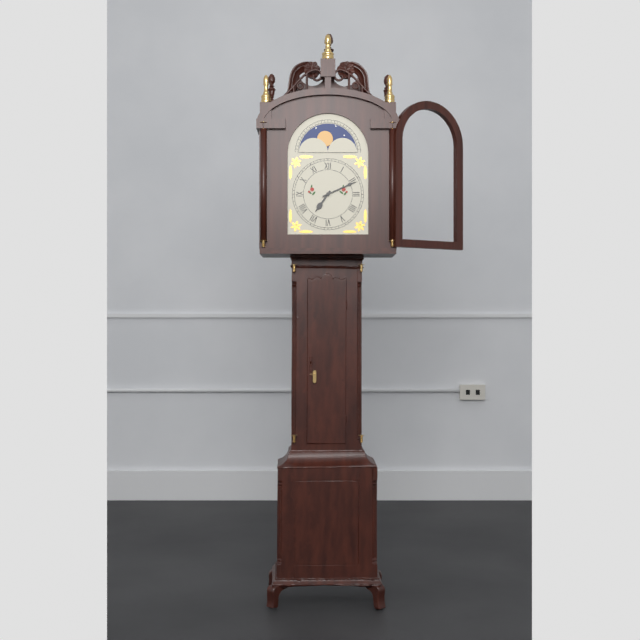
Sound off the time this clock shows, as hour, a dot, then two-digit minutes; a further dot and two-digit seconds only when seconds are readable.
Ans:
7.11
